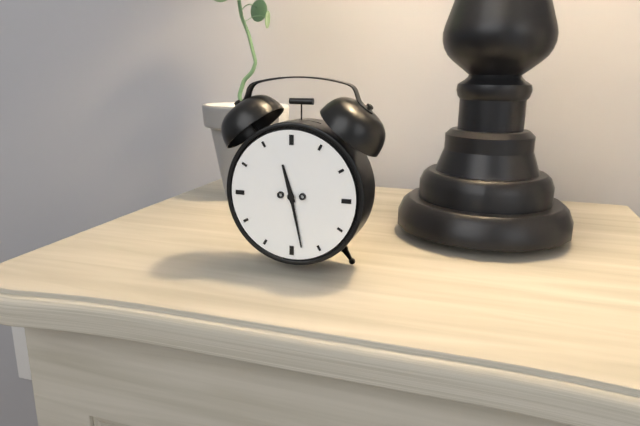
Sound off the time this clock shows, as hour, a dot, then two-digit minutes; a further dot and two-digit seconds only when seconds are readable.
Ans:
11.28
